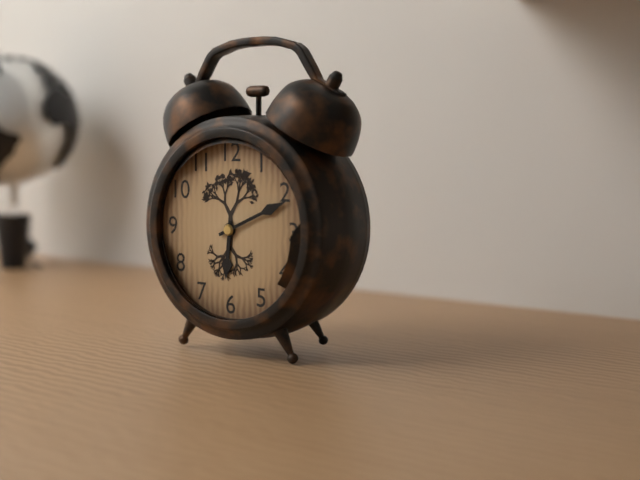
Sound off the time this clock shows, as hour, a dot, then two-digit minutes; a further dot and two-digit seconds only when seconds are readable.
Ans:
6.11
